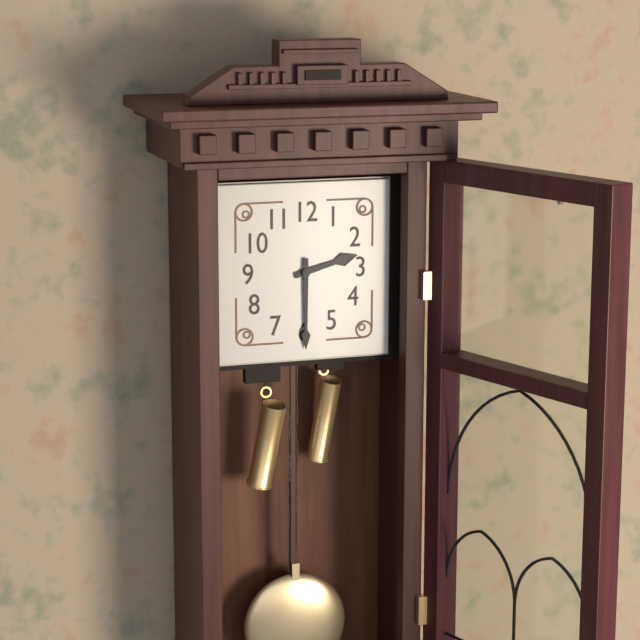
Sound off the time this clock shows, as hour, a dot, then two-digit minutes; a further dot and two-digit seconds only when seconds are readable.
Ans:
2.30
